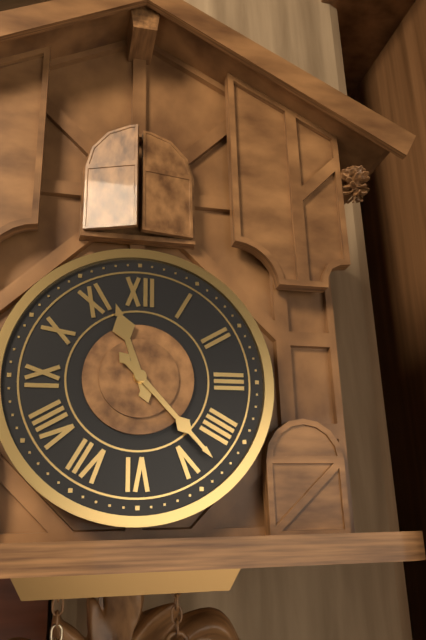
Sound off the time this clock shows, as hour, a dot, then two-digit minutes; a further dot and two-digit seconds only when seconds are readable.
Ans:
11.23
